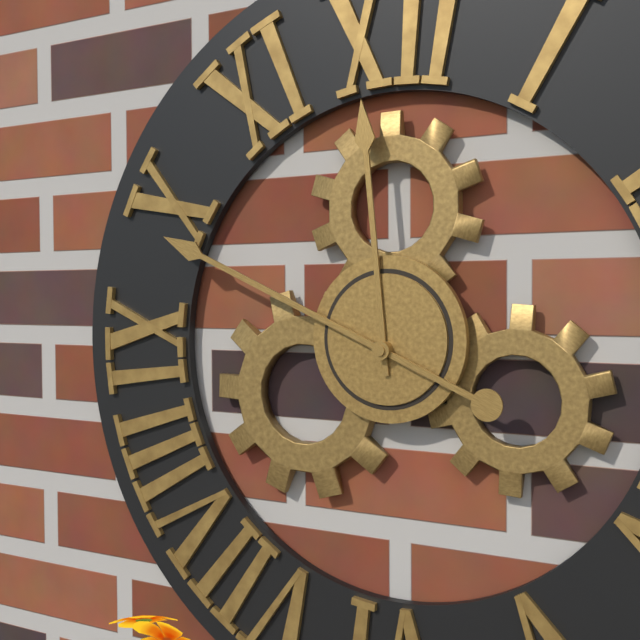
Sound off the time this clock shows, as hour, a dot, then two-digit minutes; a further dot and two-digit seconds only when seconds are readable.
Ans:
11.49
